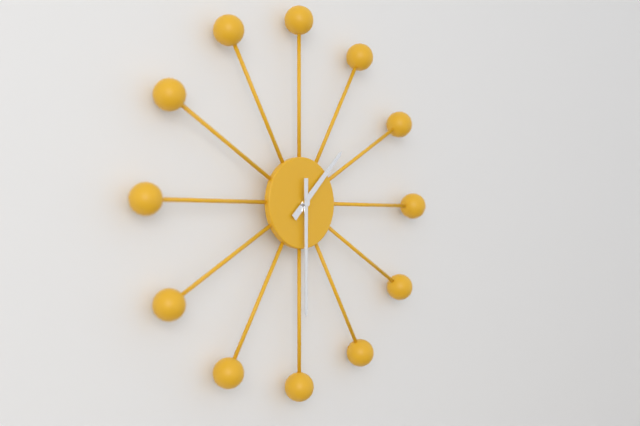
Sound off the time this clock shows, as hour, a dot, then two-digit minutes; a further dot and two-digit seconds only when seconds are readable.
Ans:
1.30
